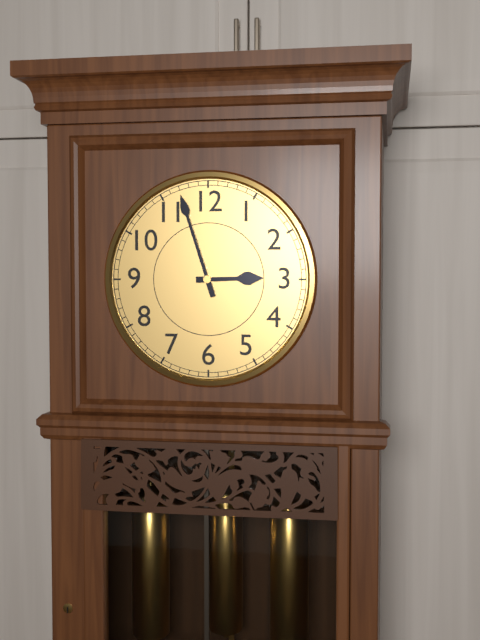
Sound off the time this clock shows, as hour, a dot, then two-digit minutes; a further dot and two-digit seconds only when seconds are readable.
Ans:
2.57
